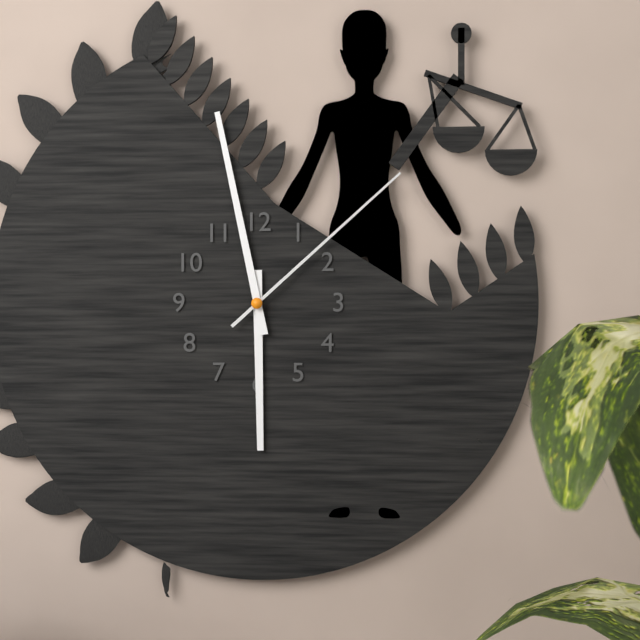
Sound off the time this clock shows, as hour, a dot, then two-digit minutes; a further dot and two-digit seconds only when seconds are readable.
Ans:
5.58.08
